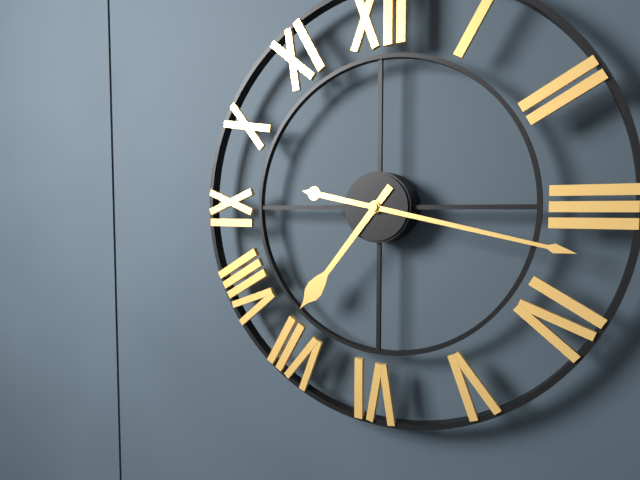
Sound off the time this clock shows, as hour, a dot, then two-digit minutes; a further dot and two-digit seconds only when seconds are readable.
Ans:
7.17
